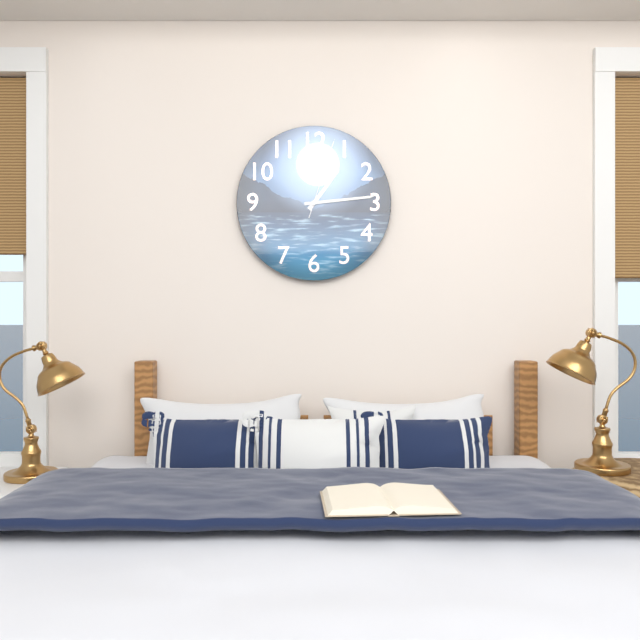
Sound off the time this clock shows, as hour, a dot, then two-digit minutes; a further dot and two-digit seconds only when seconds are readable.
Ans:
1.14.03
